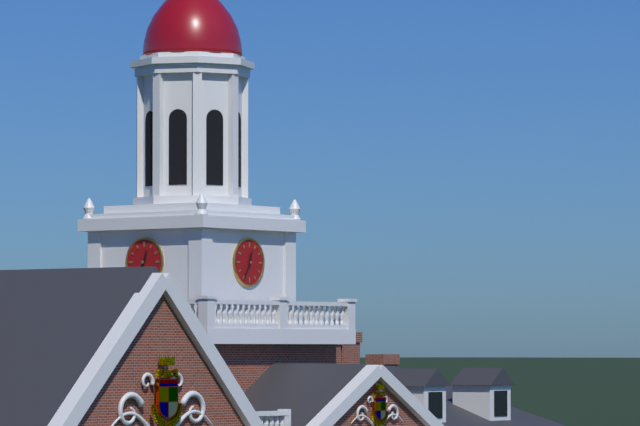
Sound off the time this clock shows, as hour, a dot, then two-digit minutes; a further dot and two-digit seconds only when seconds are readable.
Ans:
12.35
